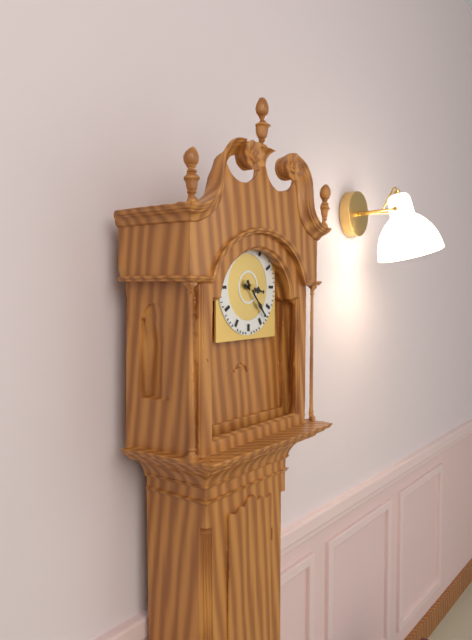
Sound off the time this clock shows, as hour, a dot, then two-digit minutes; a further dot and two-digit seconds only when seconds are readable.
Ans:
3.23
